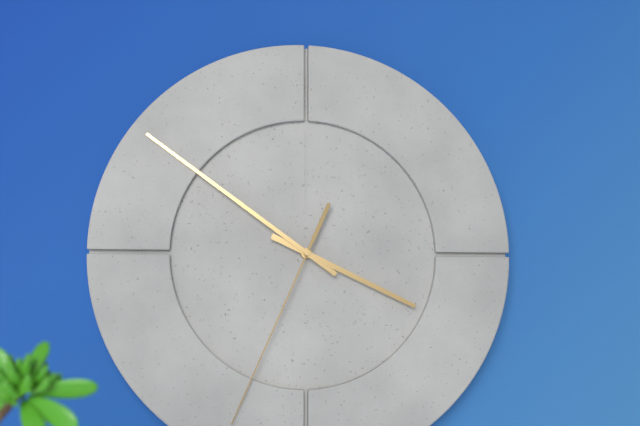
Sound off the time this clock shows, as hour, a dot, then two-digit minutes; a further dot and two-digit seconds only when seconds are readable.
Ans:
3.51.34
